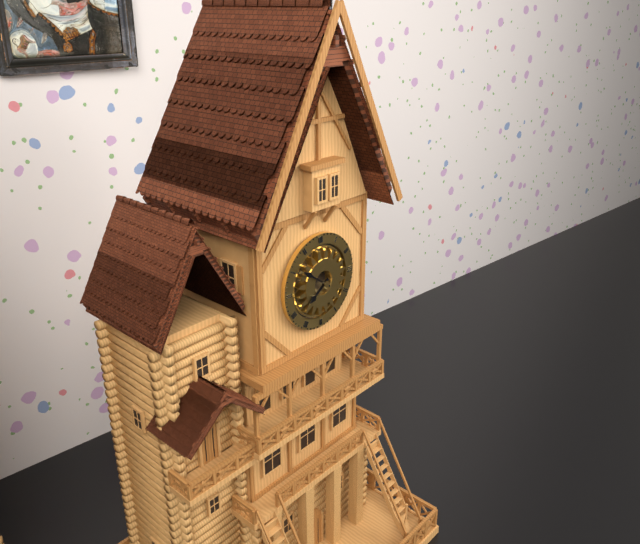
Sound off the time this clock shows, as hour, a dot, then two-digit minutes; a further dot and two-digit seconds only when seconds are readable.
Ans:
7.51
